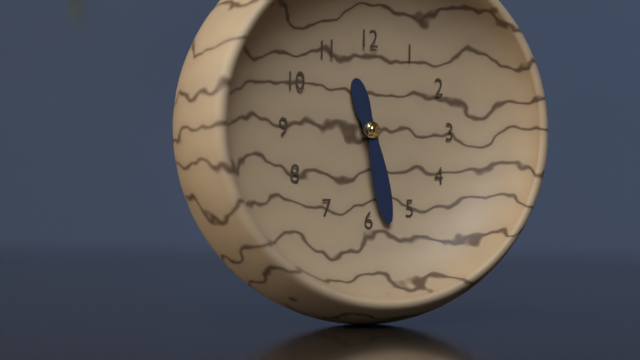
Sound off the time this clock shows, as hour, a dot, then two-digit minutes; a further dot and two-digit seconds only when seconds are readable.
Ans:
11.28
